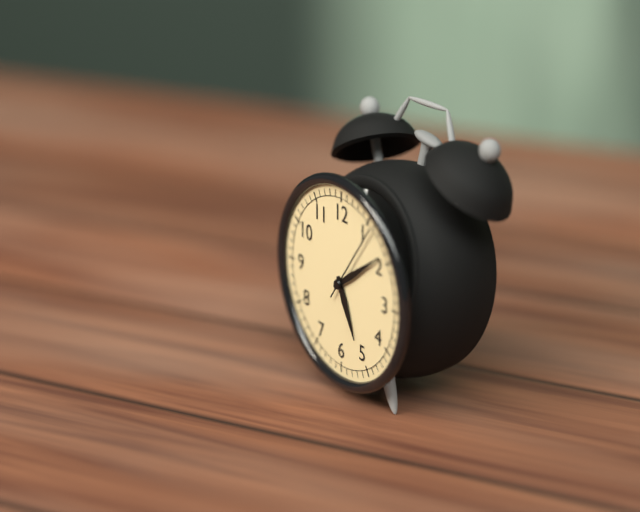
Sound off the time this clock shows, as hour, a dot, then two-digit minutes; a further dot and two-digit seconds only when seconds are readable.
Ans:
5.09.06
